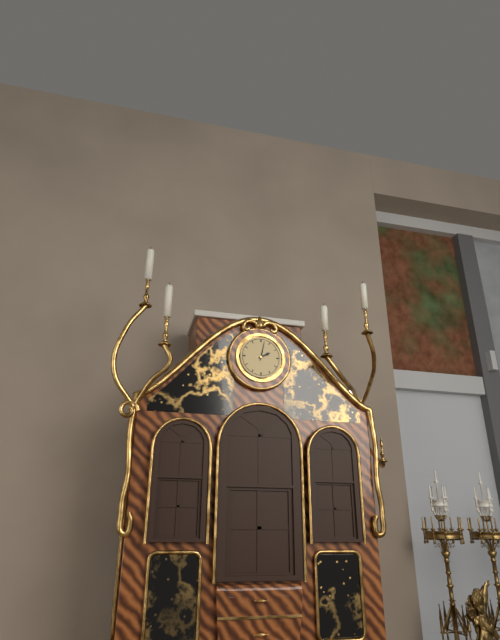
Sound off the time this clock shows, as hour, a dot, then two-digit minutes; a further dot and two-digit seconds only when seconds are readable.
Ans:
2.02
